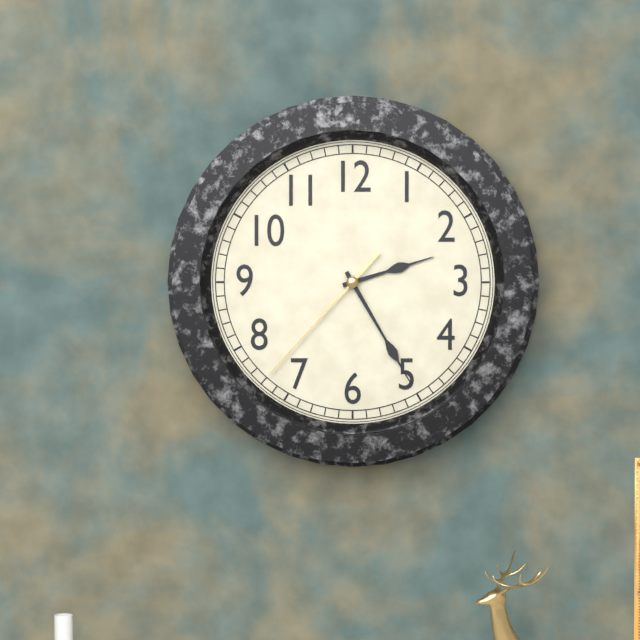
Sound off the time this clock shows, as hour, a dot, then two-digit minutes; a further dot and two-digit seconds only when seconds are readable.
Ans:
2.25.37
